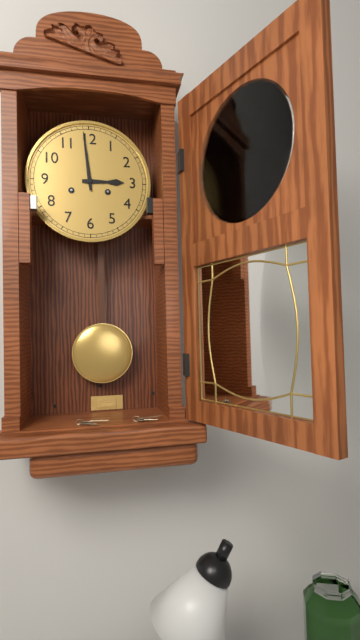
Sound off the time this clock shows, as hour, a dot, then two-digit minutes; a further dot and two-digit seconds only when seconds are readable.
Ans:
2.59
